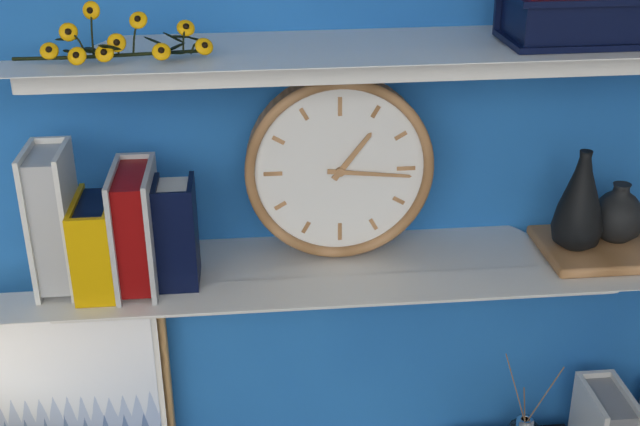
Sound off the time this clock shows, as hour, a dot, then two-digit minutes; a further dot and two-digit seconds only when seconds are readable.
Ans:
1.16
